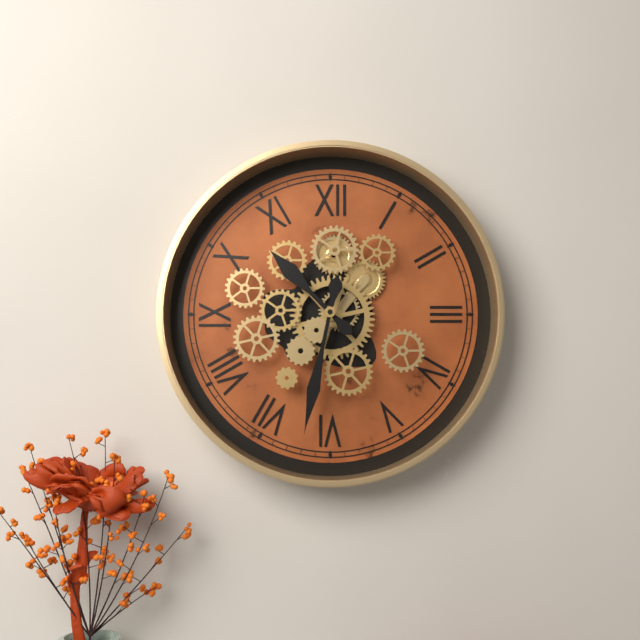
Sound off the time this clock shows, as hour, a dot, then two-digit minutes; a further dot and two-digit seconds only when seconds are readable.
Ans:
10.32
